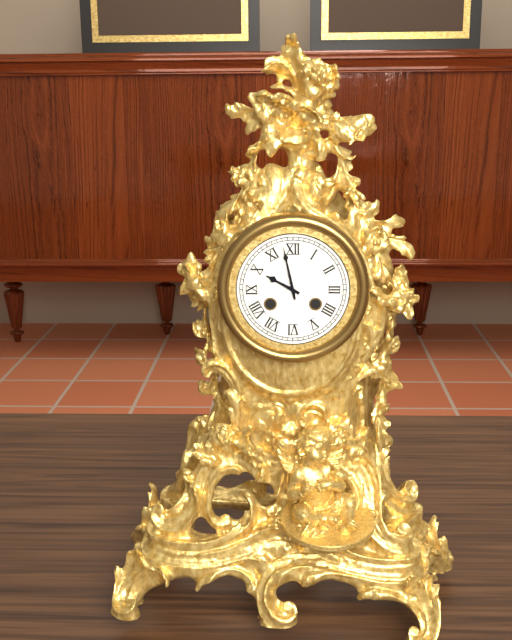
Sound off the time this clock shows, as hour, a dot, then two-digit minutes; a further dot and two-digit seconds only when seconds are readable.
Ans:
9.58
